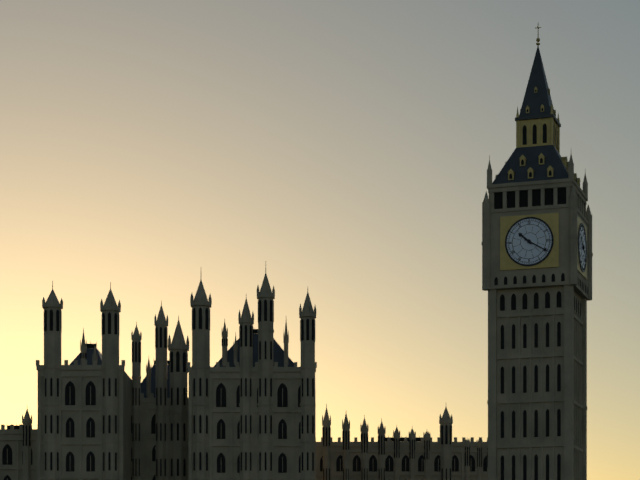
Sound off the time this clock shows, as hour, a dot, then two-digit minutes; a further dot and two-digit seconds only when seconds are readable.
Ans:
10.20
